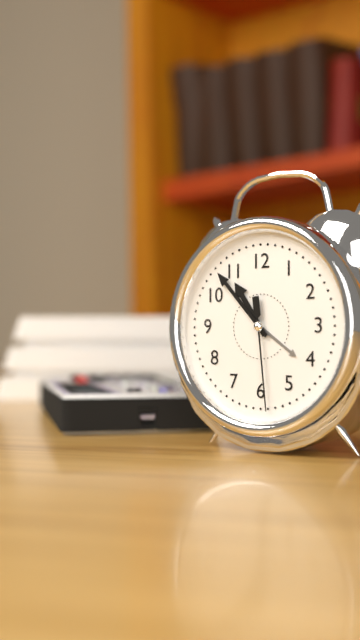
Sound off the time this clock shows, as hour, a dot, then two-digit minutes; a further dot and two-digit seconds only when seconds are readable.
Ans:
10.53.29
